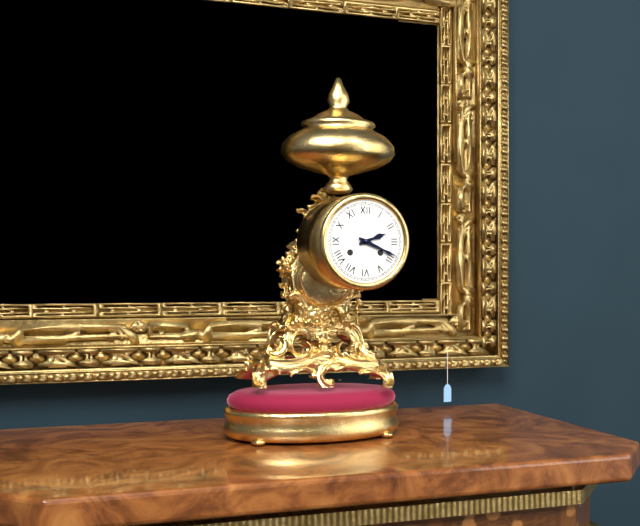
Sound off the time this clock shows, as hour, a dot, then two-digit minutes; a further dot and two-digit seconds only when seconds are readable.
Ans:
2.19
